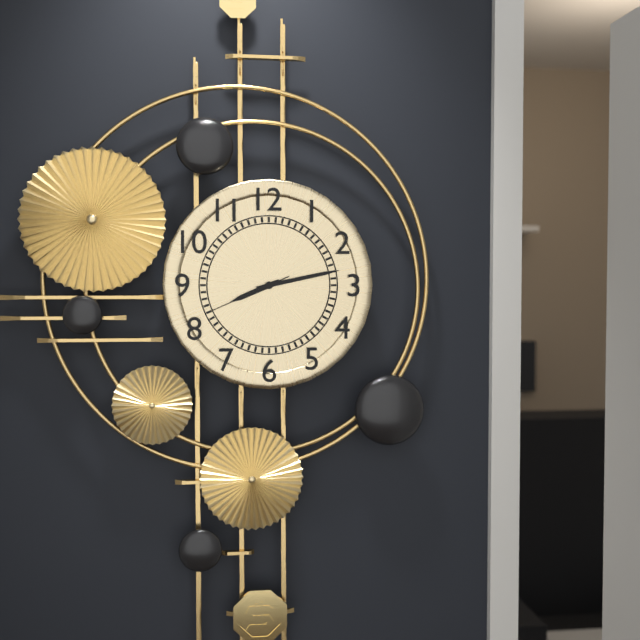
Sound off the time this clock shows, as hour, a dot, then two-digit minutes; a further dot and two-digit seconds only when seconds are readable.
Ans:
8.13.41
